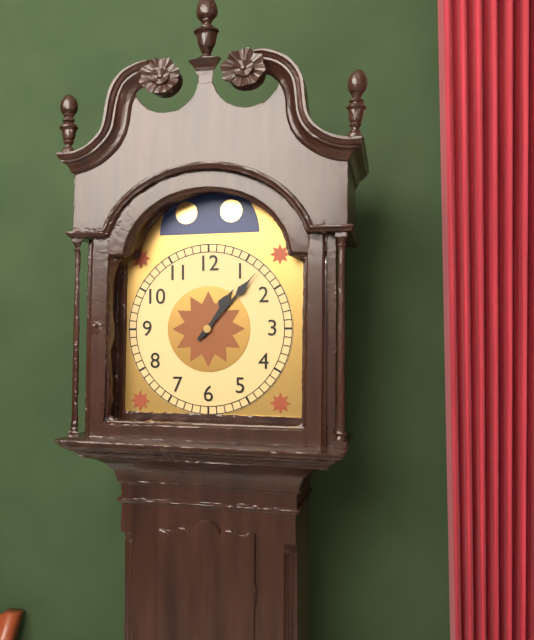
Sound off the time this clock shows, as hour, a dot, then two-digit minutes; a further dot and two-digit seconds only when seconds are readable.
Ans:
1.07
